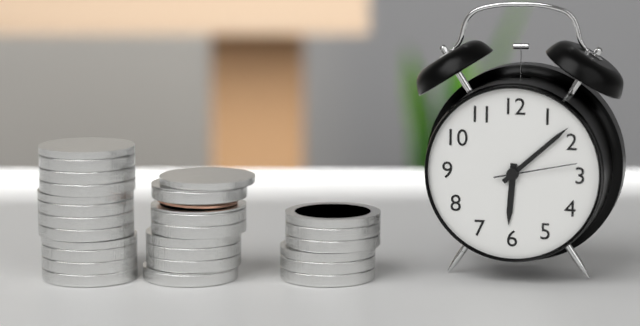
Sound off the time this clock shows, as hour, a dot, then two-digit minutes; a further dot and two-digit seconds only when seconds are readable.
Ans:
6.08.13
